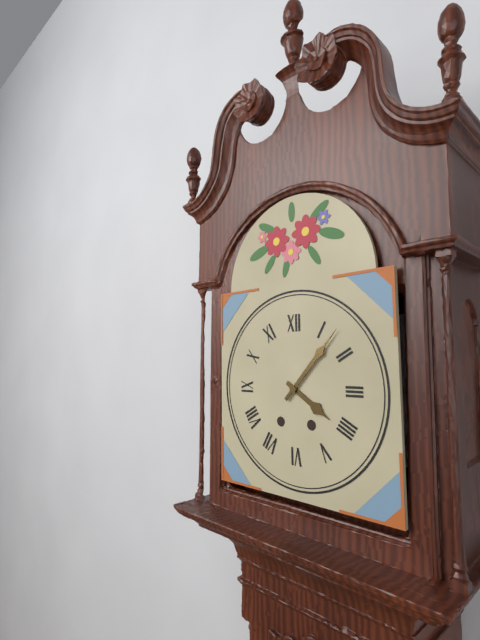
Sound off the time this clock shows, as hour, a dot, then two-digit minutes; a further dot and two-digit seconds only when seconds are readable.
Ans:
4.07
